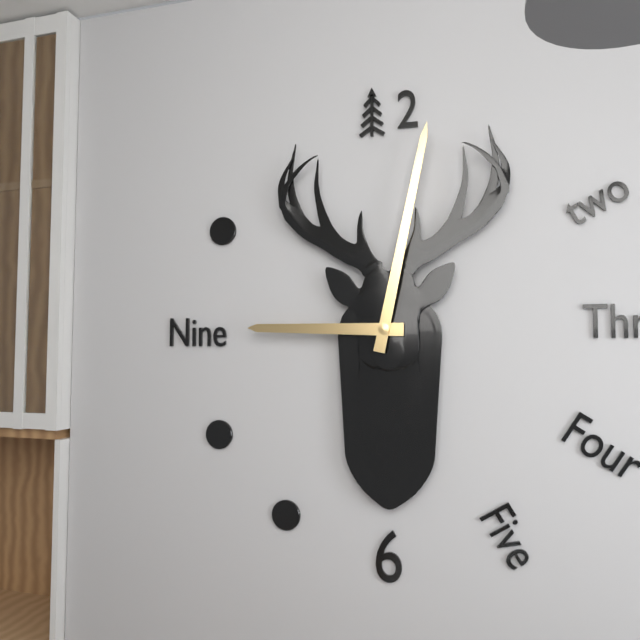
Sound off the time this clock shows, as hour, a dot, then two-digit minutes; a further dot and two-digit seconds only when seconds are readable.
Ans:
9.02
